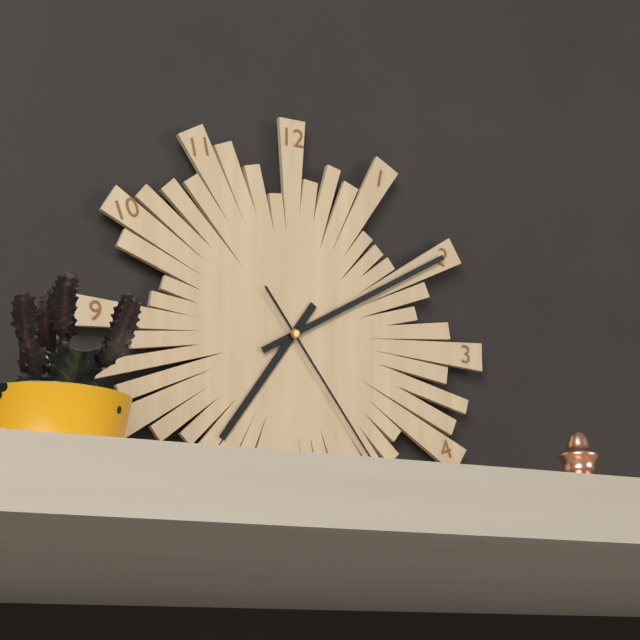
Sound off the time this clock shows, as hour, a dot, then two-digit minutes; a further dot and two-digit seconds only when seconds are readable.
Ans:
7.10.24
